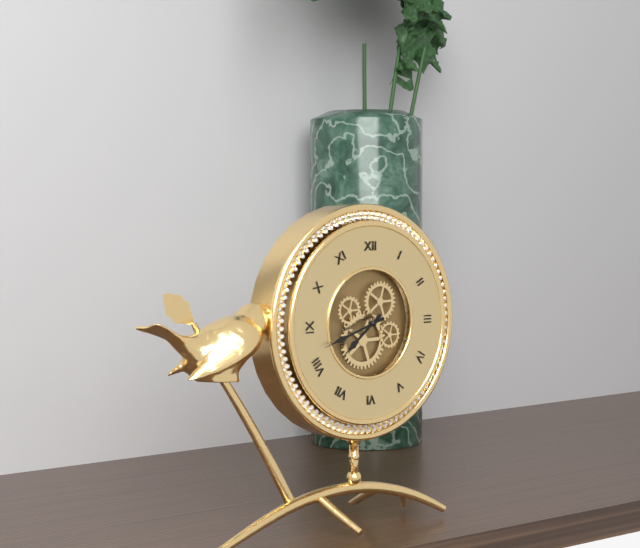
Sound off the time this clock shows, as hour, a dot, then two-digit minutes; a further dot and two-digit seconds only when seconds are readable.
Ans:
7.42
